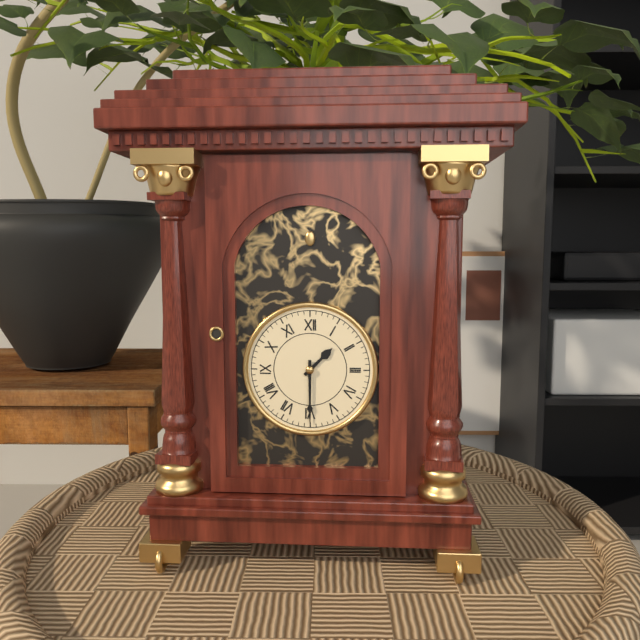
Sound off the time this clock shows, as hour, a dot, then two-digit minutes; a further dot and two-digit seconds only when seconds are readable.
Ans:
1.30
